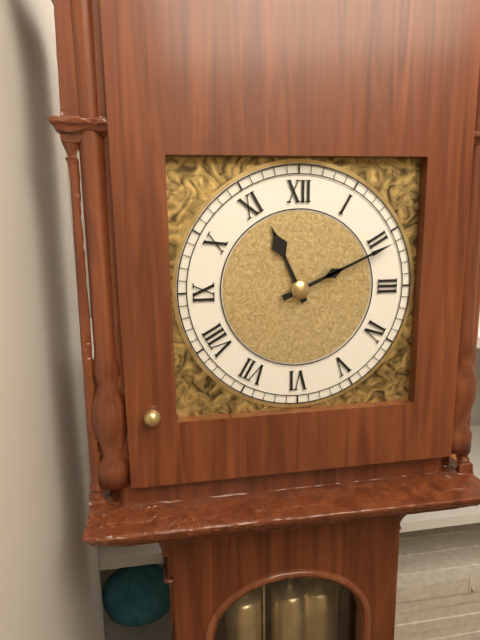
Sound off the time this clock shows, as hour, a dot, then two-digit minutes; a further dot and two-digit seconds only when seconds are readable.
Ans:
11.11
